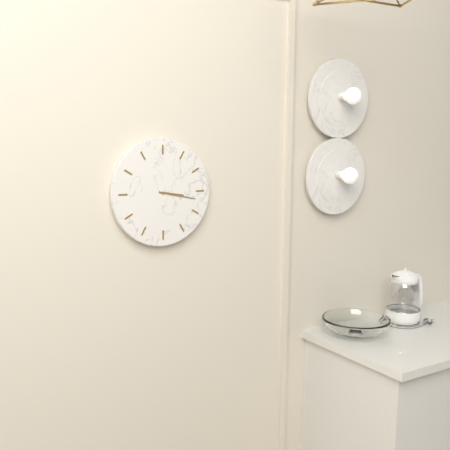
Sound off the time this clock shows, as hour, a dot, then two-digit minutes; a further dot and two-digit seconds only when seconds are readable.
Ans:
3.17
